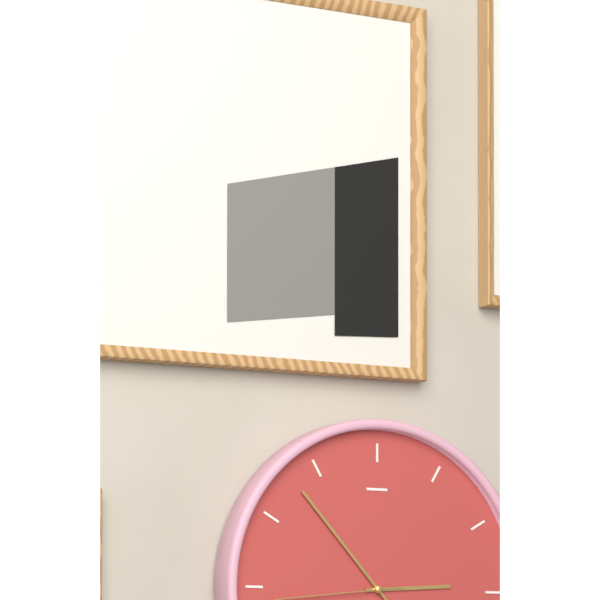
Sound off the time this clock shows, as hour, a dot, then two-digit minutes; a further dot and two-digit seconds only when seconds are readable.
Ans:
2.53.44
